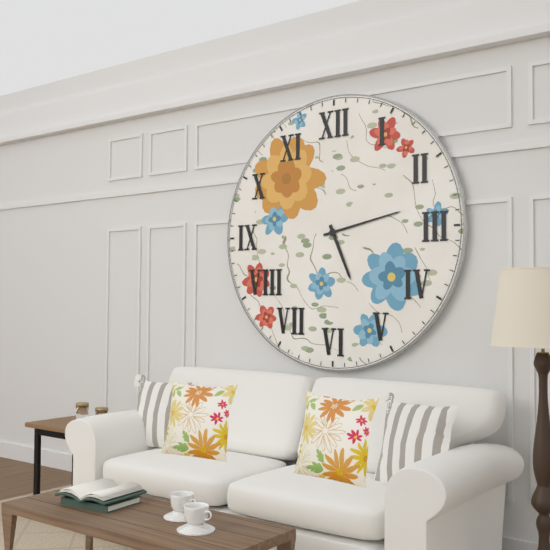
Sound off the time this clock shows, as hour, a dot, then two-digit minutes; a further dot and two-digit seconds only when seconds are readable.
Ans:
5.13
